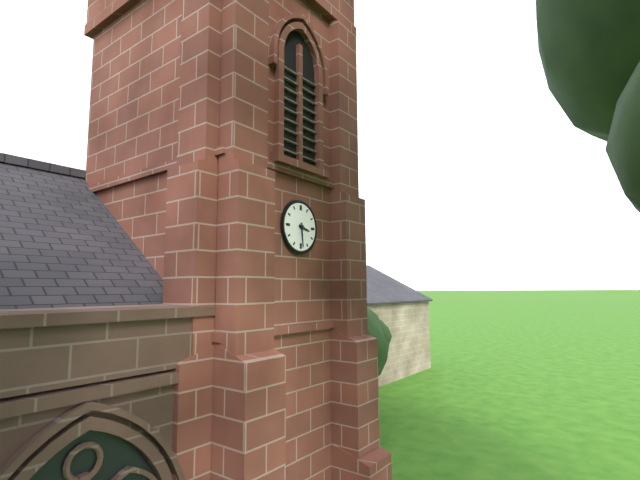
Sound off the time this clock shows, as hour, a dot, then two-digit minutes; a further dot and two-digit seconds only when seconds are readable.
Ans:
3.29
